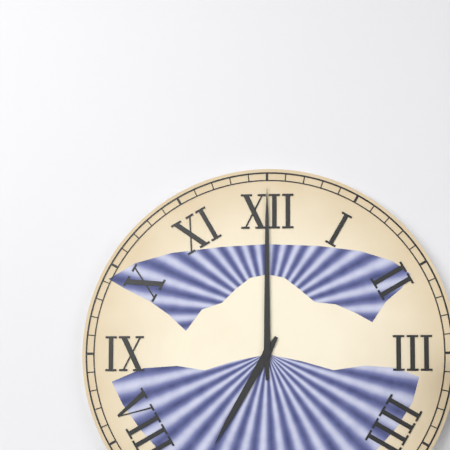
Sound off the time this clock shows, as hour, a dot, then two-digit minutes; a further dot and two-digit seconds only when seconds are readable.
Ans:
7.00
